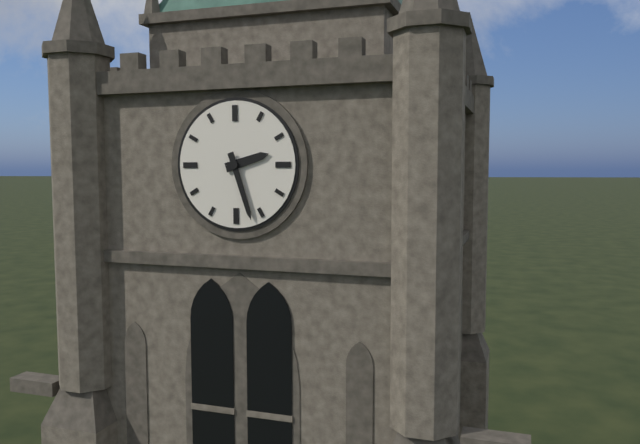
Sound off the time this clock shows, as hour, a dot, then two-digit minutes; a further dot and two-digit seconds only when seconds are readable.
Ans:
2.27
